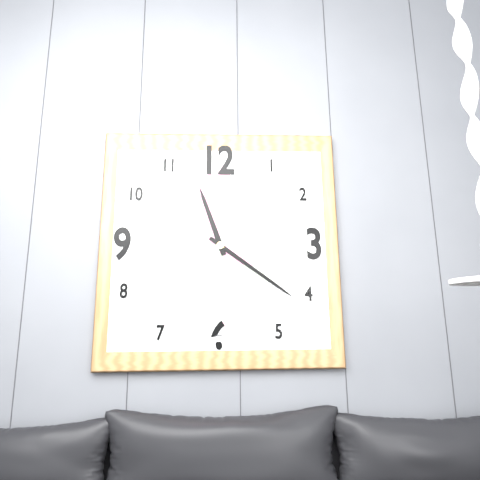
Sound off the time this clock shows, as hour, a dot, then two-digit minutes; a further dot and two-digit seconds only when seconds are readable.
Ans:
11.21
